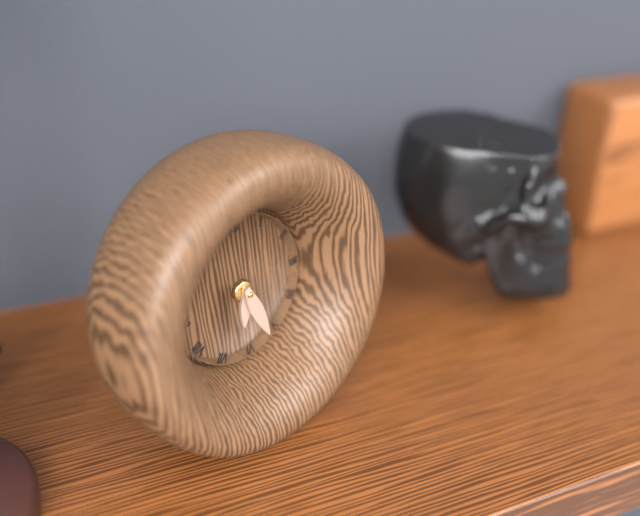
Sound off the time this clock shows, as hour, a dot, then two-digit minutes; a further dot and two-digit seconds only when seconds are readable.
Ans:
6.27
